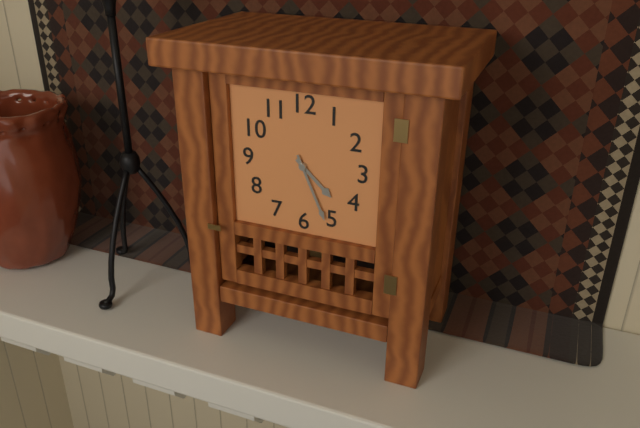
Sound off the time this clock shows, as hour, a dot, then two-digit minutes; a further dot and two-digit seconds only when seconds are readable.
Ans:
4.26
